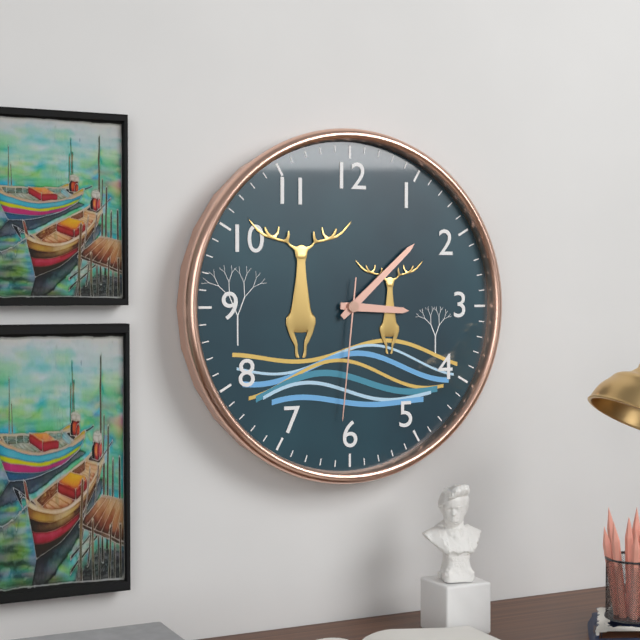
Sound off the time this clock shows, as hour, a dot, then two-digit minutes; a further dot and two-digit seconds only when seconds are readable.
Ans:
3.08.31
